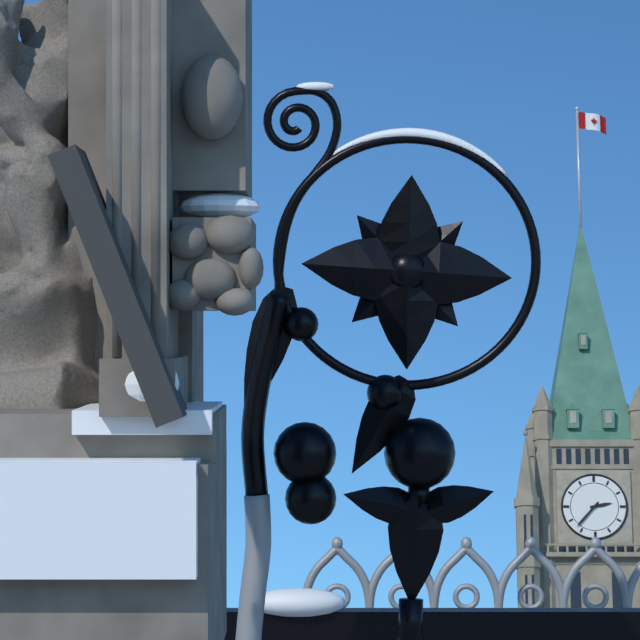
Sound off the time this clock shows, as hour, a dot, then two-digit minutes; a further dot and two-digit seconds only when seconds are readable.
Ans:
2.37
